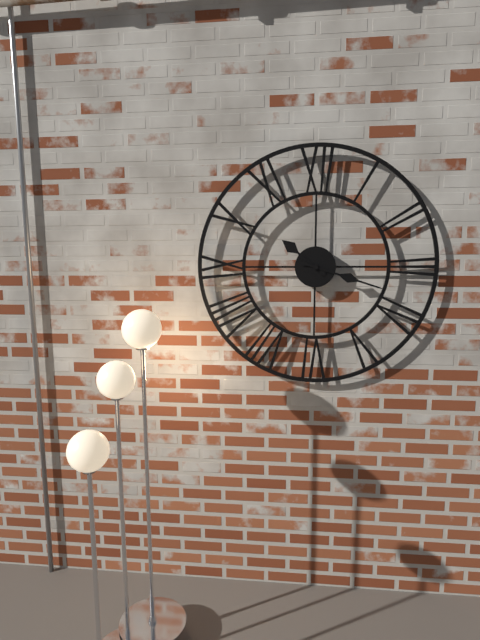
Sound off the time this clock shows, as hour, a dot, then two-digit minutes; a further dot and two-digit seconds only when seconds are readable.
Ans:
10.18
